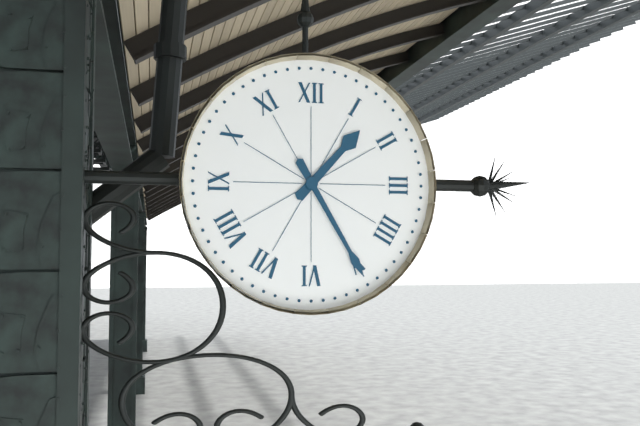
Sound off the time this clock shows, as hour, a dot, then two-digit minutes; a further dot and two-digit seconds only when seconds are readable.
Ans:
1.25
